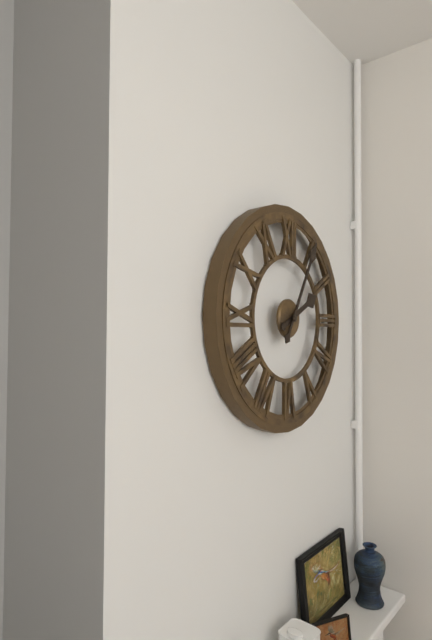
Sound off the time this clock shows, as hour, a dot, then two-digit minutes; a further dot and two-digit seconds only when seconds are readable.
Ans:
2.05
